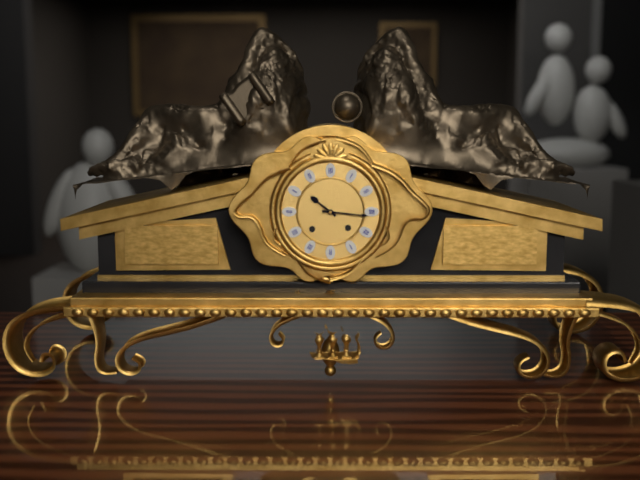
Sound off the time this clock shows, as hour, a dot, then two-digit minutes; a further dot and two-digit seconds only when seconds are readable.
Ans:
10.16
